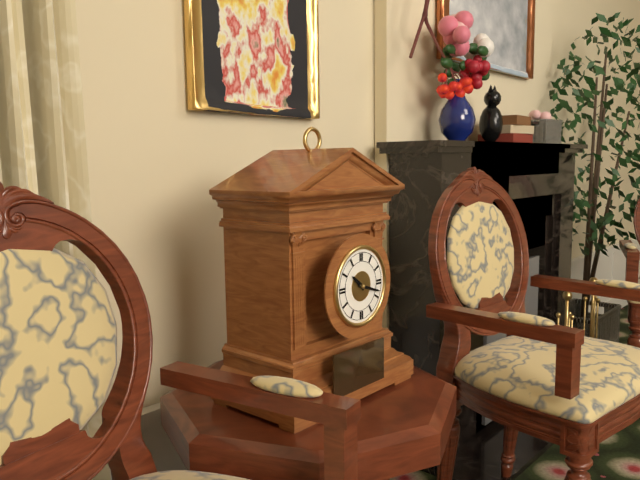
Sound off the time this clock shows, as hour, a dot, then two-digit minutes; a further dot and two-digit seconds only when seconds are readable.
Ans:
10.18
